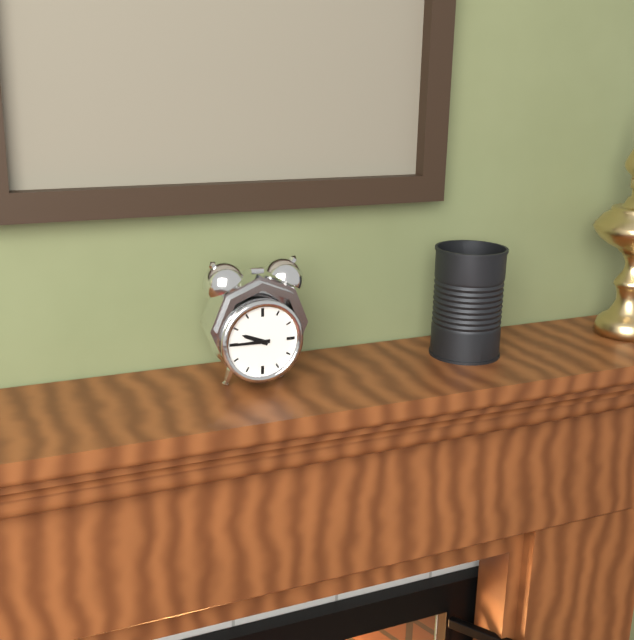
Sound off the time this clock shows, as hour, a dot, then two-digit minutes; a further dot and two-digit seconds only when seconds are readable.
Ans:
9.45
